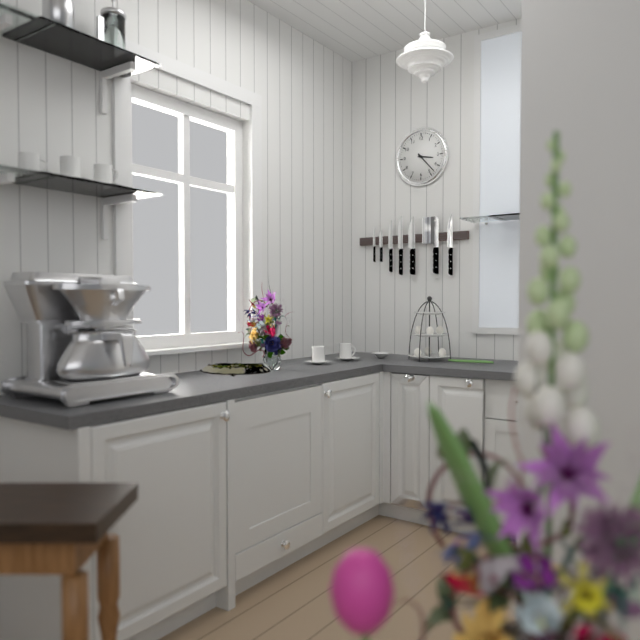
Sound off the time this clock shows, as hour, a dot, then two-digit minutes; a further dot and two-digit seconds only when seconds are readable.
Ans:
3.23
